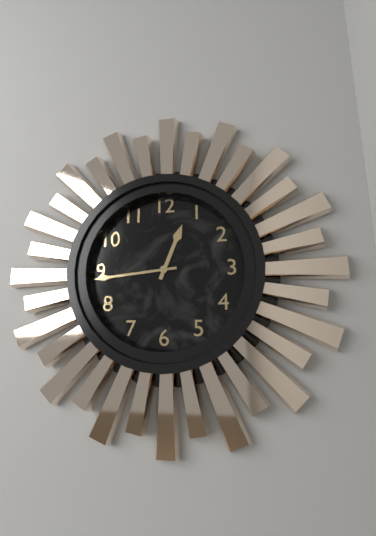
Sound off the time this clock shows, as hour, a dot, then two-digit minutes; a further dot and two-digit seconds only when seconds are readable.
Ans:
12.44
